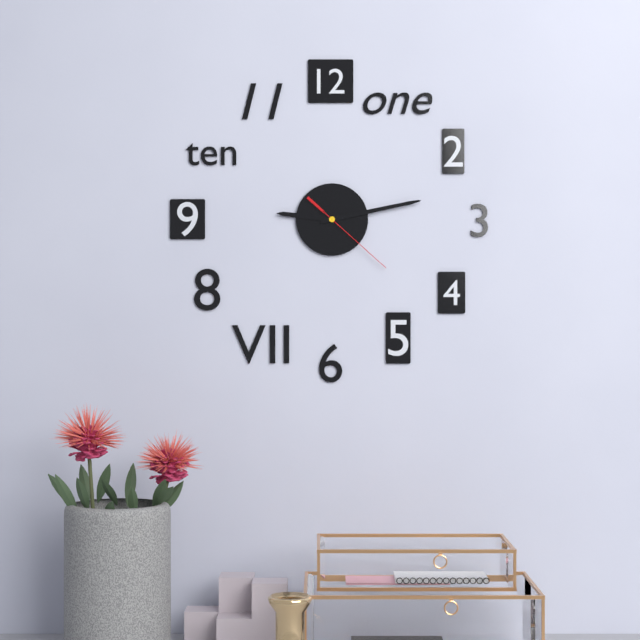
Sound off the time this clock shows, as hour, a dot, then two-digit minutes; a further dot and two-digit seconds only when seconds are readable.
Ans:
9.13.22
